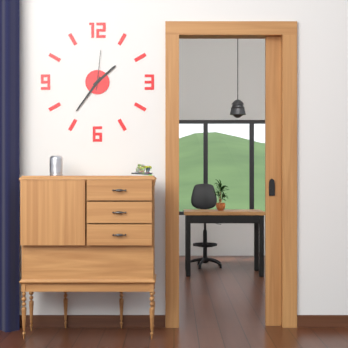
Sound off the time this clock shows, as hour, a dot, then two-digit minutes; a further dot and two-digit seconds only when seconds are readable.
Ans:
1.36
